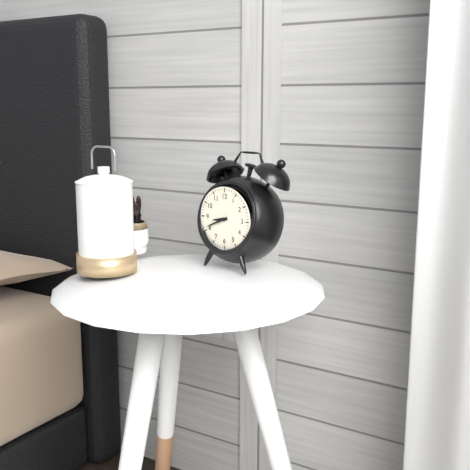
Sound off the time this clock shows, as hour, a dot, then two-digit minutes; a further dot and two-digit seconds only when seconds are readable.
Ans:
8.41
